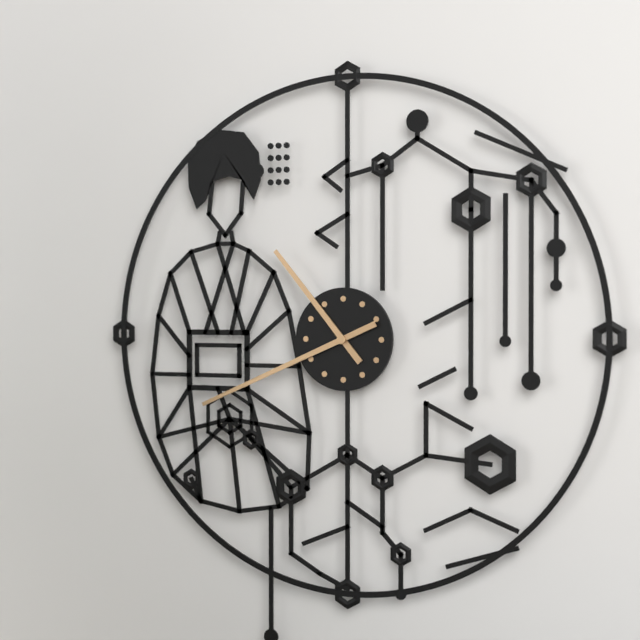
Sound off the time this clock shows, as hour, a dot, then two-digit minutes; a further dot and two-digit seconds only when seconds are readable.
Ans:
10.41
